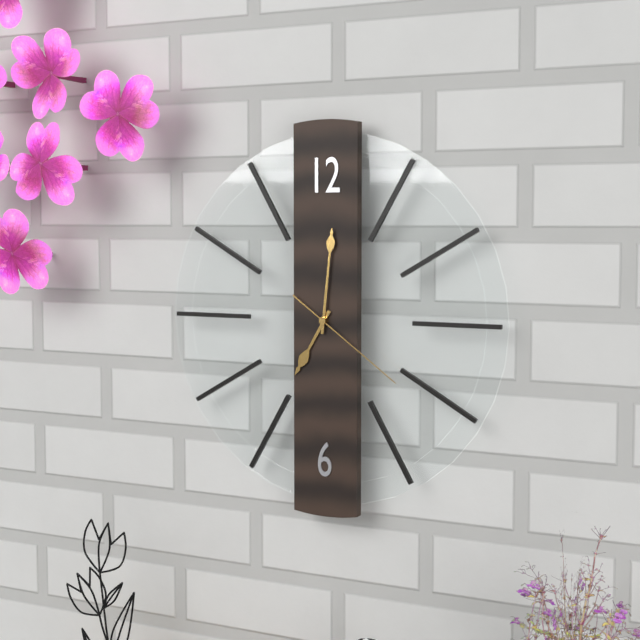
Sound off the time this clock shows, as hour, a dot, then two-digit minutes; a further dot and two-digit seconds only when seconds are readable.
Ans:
7.01.21
